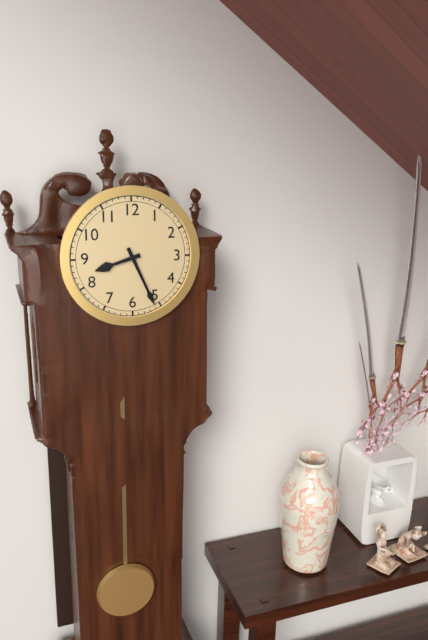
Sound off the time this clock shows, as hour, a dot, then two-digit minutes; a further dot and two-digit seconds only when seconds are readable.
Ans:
8.26
